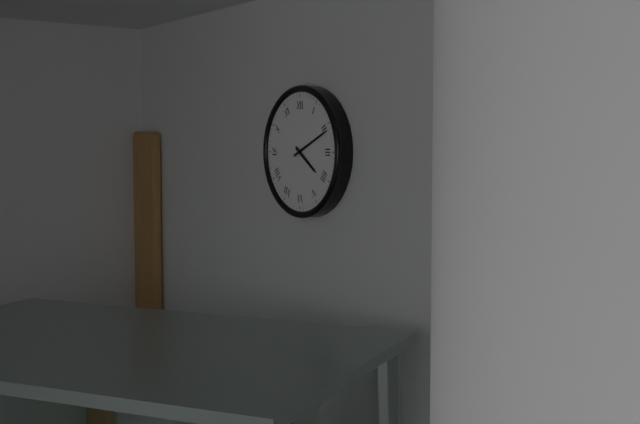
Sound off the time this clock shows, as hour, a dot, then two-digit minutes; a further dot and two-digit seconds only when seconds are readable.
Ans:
4.11
